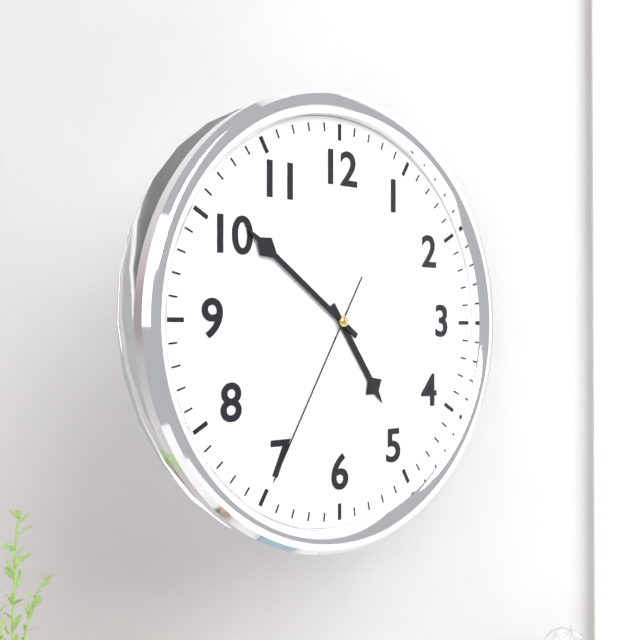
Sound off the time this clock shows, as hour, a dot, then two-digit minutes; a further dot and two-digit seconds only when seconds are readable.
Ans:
4.51.35
